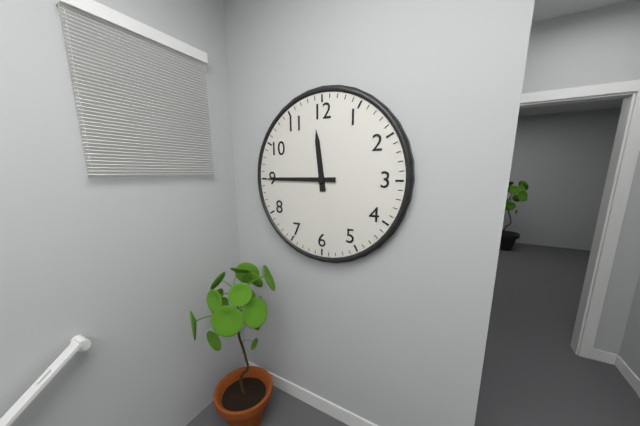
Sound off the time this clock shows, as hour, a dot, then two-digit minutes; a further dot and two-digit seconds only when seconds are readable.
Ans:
11.45
